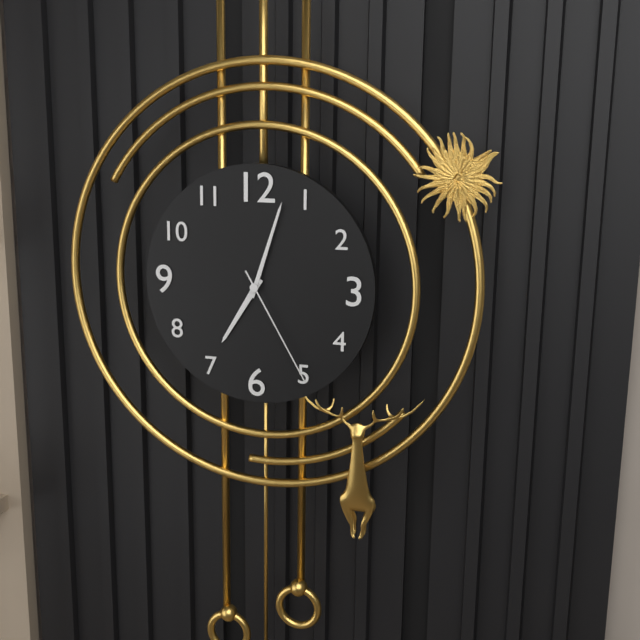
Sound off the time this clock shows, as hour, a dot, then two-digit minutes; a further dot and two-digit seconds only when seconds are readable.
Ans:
7.03.25
